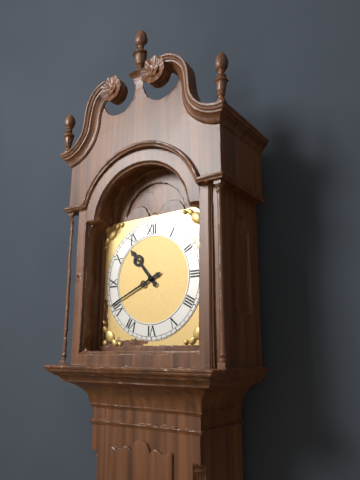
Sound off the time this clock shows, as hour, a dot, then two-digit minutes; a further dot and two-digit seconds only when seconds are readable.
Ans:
10.41
